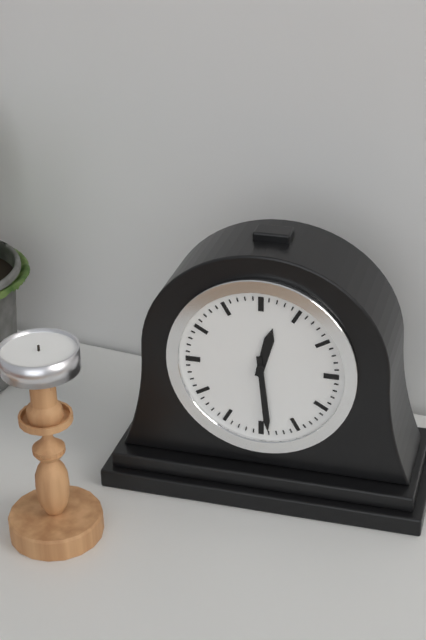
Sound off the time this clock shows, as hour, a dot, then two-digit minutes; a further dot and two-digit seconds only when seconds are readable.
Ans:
12.29
